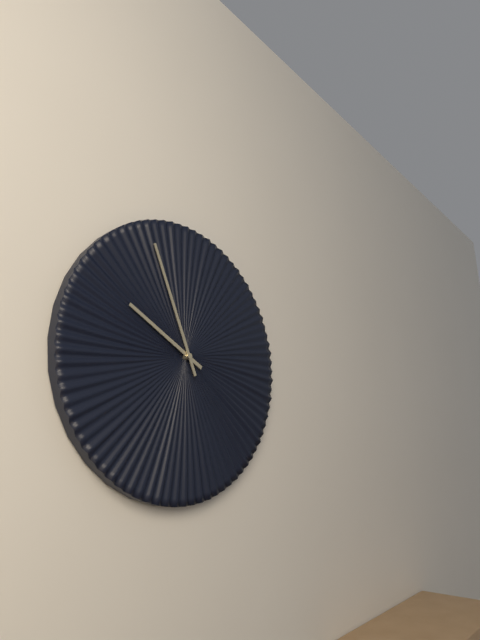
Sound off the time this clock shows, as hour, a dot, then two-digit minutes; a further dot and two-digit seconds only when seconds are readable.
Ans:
9.56
